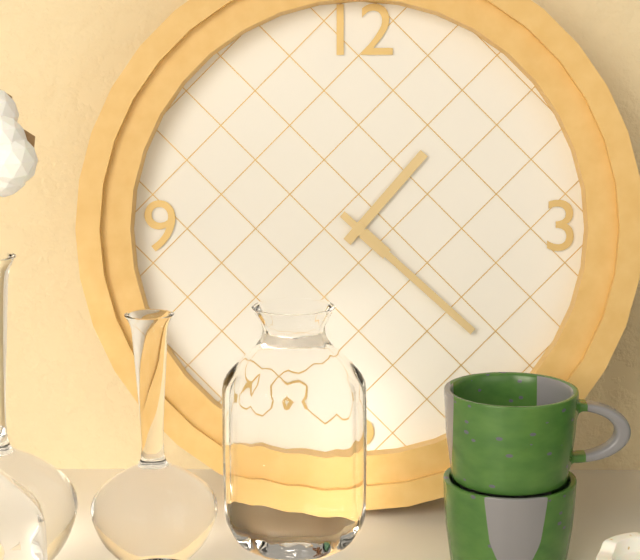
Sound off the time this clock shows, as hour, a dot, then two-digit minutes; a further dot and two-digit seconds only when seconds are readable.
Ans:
1.22
